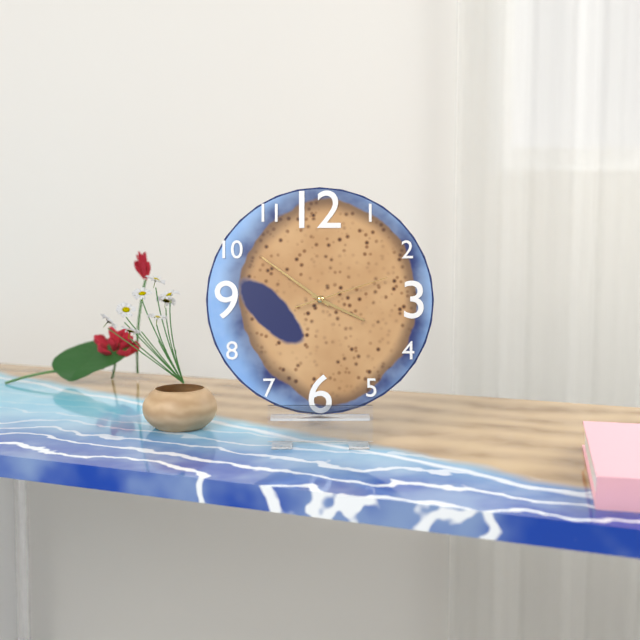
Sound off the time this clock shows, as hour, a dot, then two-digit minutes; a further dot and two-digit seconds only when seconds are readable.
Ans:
3.51.12
